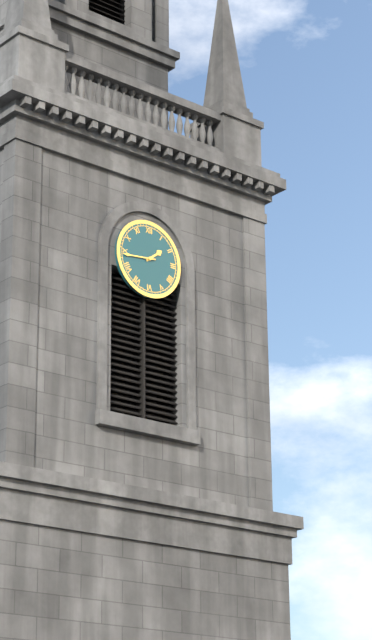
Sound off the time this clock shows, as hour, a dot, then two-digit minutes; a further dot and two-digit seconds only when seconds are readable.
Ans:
1.44
